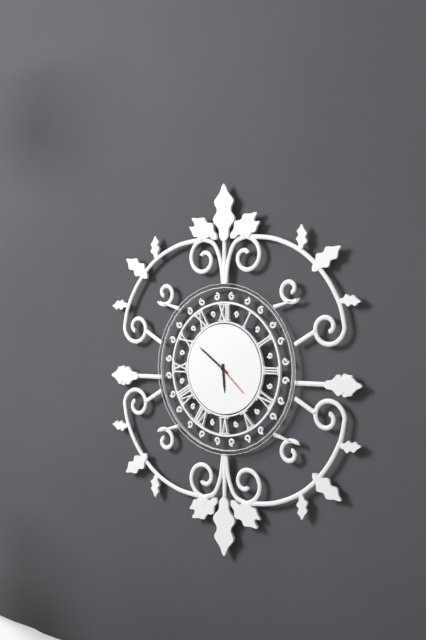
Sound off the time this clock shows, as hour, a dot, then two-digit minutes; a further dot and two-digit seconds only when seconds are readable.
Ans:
5.51
